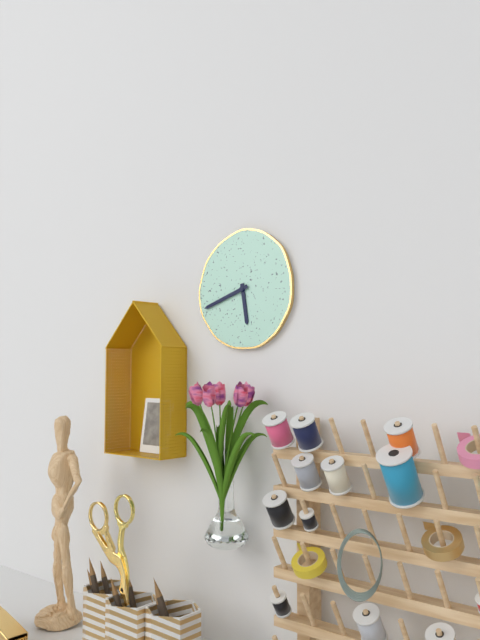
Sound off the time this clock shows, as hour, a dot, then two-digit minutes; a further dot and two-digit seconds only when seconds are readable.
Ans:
5.42
